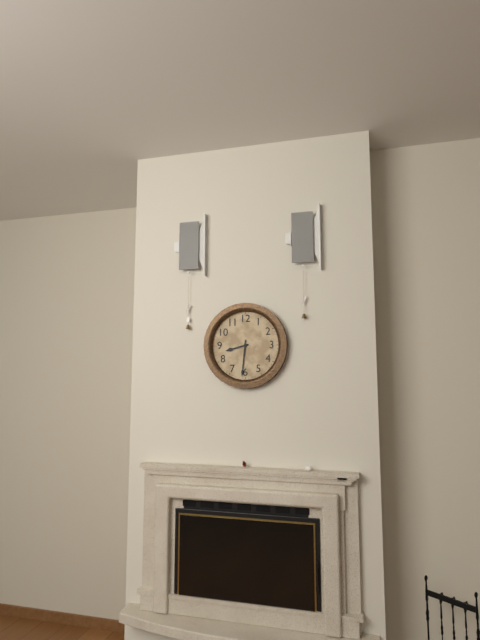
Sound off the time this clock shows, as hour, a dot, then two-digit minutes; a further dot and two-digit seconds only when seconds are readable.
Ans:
8.31
